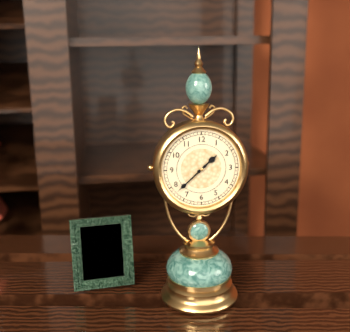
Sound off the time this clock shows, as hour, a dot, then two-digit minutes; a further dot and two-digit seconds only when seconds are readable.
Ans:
1.38
